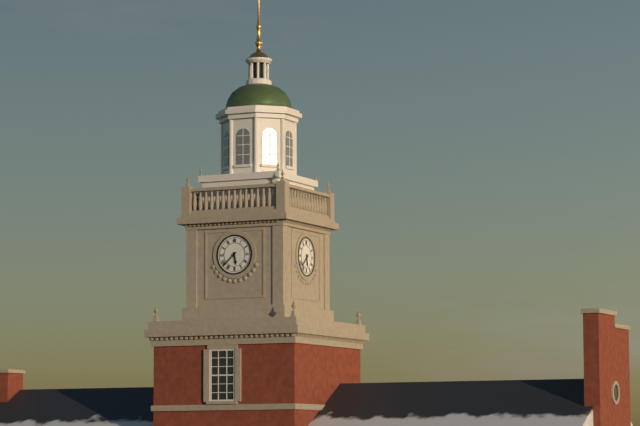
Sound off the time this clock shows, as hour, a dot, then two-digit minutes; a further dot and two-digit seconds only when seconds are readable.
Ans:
5.38
